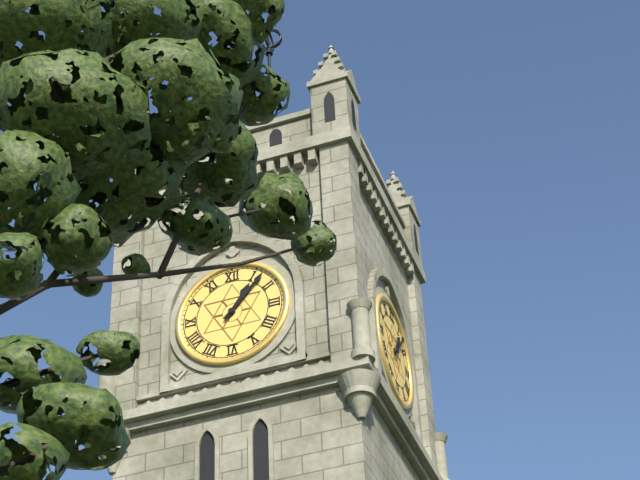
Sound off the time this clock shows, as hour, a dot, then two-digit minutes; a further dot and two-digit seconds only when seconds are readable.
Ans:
1.07
